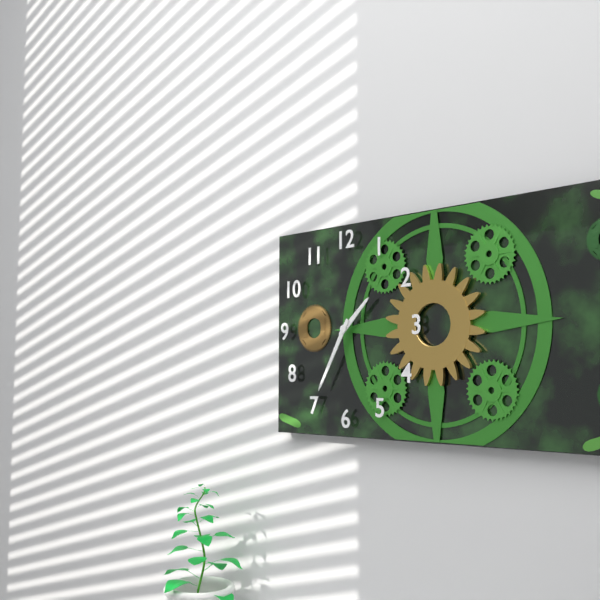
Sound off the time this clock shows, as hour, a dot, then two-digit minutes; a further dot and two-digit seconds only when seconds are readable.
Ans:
1.35
